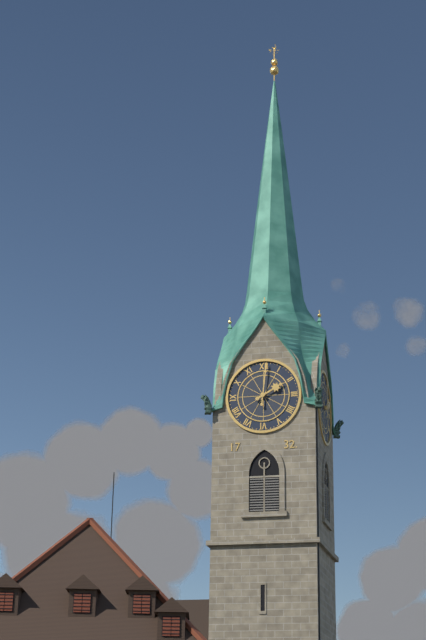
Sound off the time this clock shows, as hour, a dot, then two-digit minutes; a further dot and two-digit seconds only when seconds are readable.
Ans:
2.01
